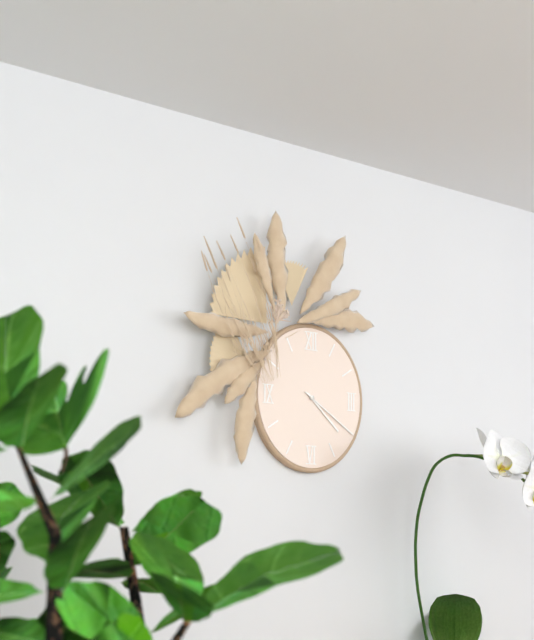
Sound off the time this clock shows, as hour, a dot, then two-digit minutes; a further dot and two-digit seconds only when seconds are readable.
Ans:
4.20
